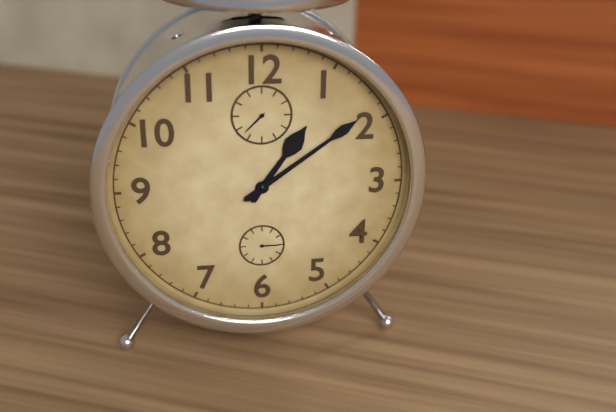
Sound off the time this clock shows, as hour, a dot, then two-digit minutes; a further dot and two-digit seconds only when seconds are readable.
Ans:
1.09
